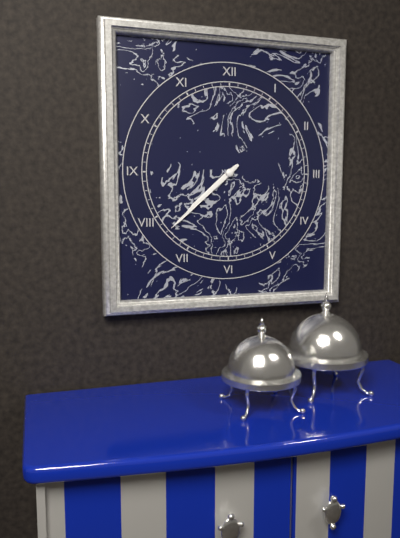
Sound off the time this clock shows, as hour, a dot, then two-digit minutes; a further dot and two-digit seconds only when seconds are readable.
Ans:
7.38
